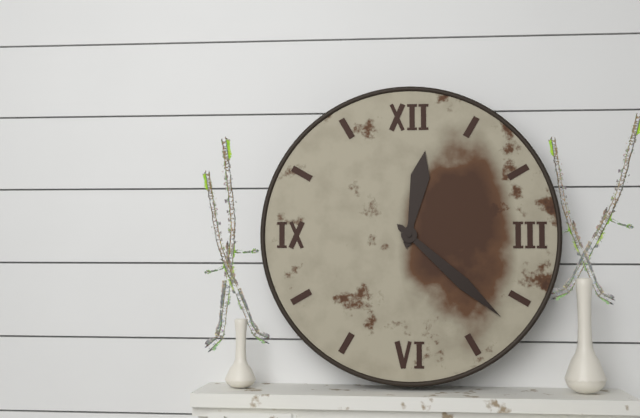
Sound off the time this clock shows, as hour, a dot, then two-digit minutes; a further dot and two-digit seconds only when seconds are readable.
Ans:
12.22
